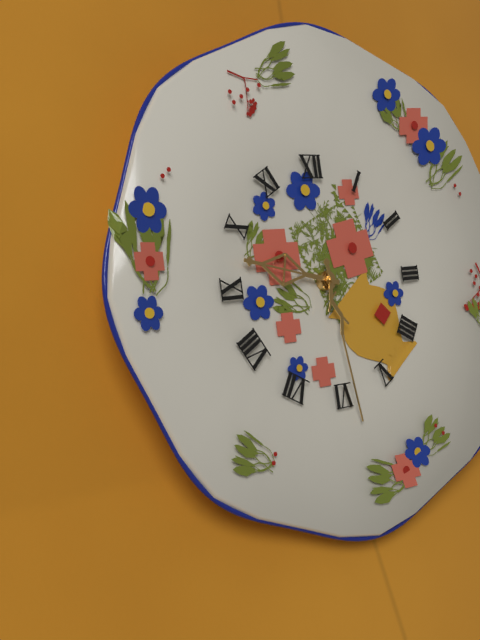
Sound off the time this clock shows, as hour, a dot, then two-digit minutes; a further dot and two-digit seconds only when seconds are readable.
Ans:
9.29
